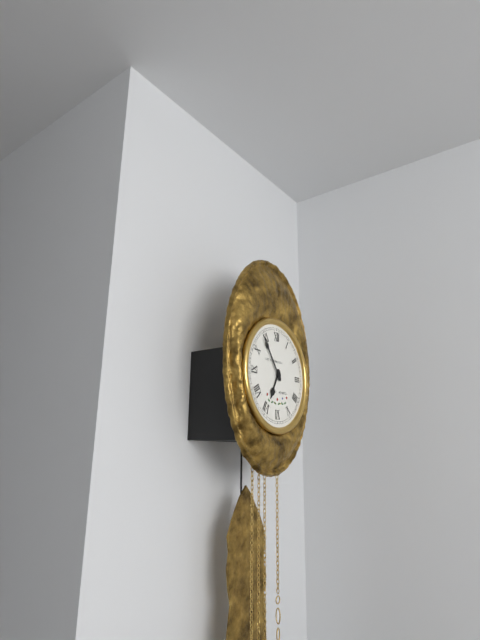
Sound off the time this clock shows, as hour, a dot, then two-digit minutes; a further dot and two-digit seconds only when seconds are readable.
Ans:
6.54
